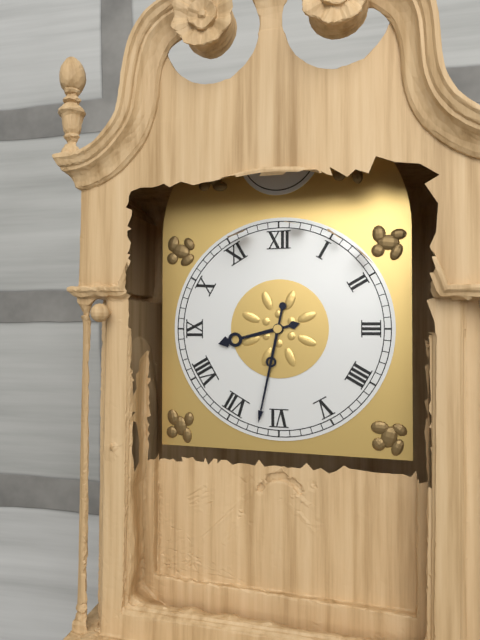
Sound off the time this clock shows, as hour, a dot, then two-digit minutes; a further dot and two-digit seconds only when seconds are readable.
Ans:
8.32
